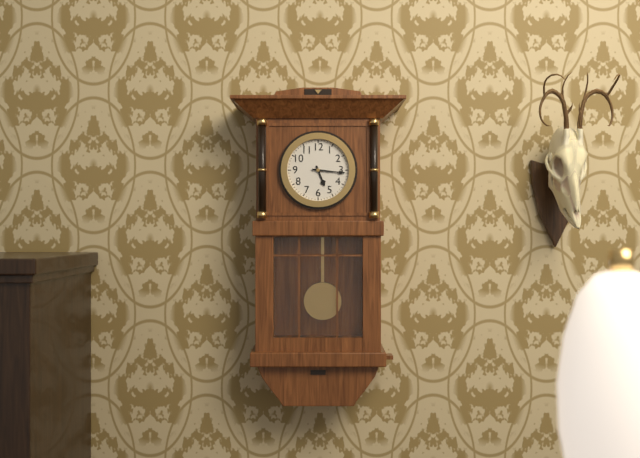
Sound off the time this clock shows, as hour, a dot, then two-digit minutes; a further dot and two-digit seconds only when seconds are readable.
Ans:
5.16
